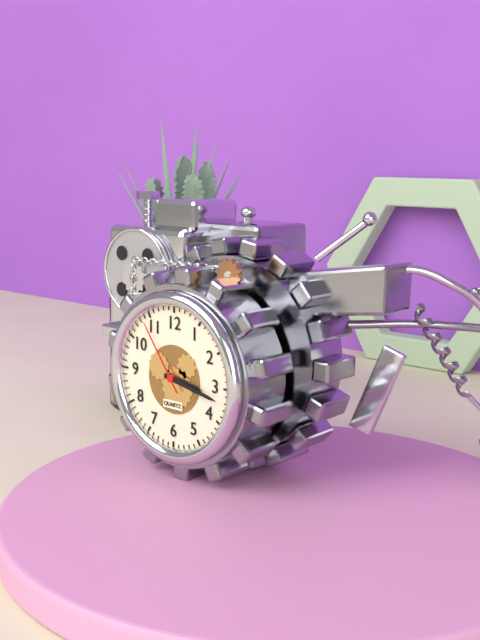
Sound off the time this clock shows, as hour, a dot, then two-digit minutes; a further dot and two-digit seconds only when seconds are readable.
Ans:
3.17.54
